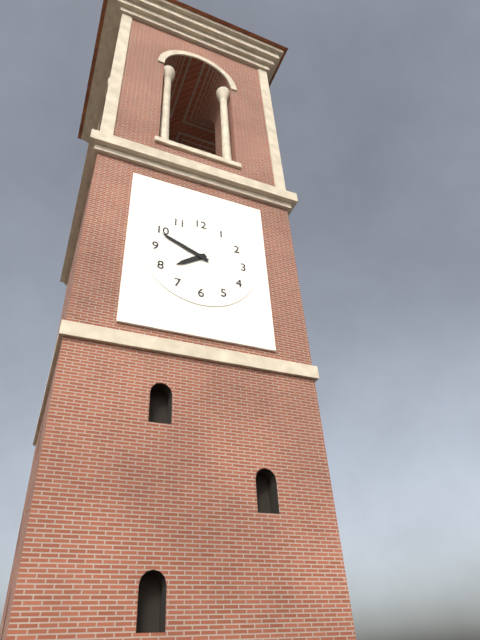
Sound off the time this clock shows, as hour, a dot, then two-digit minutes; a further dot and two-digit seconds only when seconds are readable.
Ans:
7.49
